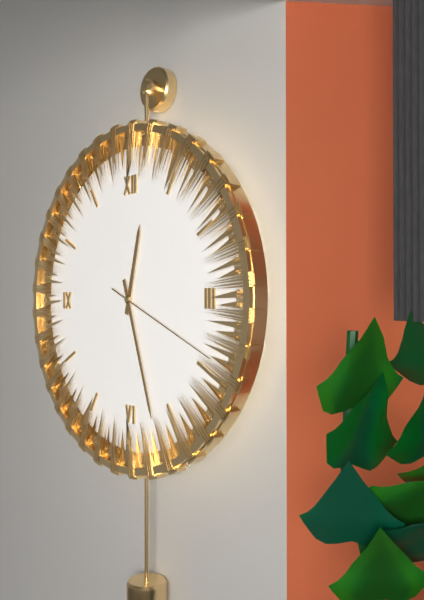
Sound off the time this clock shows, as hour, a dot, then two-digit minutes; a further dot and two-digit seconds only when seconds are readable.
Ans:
12.27.19
